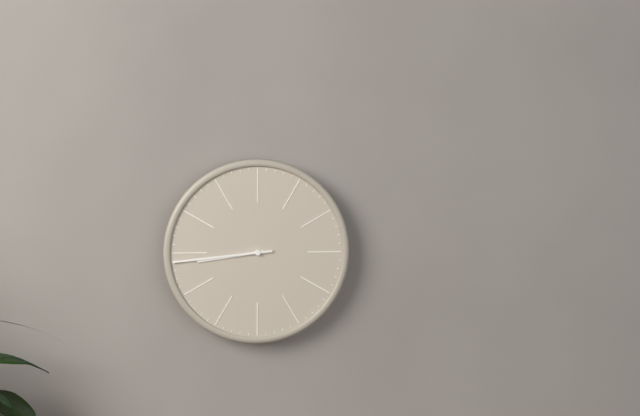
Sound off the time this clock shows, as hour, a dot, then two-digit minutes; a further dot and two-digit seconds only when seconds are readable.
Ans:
8.44
